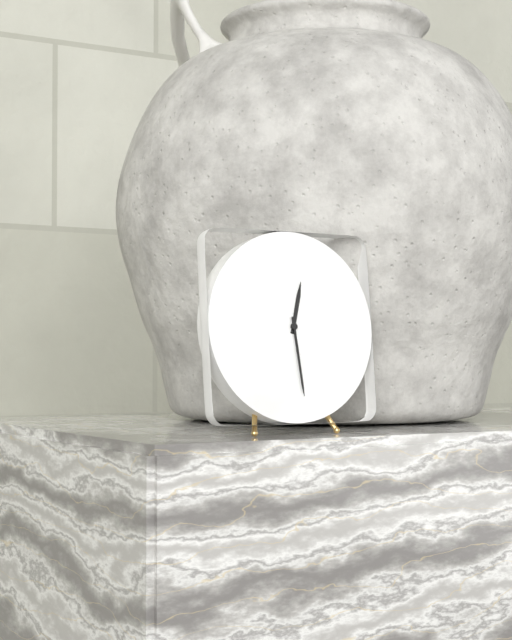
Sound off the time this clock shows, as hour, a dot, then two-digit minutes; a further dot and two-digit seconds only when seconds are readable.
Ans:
12.29
